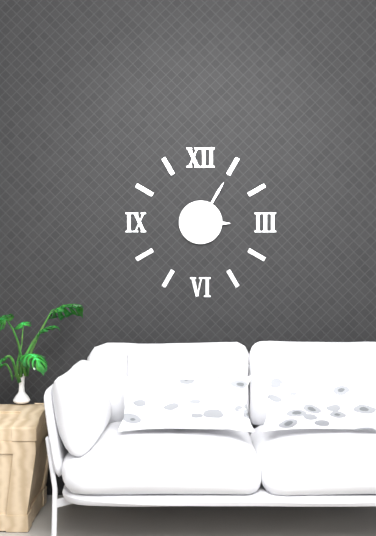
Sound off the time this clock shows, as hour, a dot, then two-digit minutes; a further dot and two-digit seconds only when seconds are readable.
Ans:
3.05
